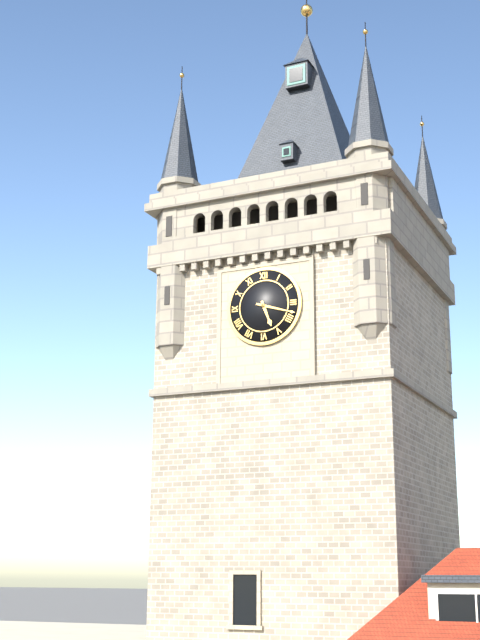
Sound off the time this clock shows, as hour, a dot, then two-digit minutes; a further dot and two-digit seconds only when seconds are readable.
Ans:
5.18
